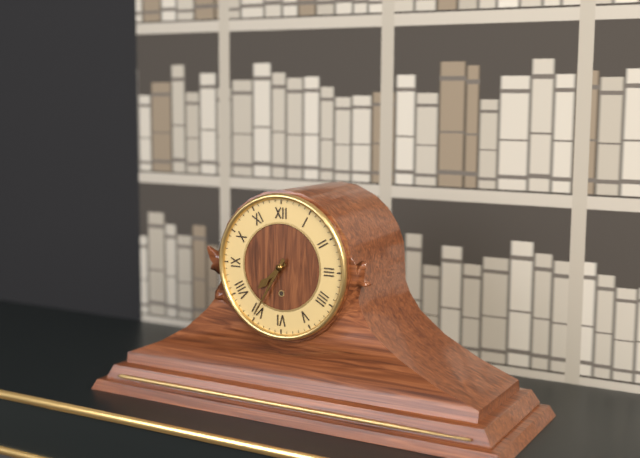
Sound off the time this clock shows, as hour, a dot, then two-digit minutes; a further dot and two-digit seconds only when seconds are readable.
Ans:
7.35
